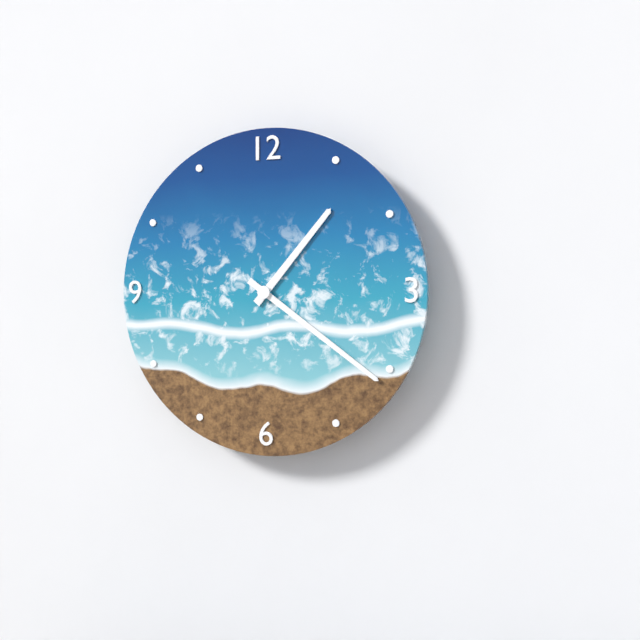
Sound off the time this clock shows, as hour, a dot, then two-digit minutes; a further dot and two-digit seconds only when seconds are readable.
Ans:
1.21
